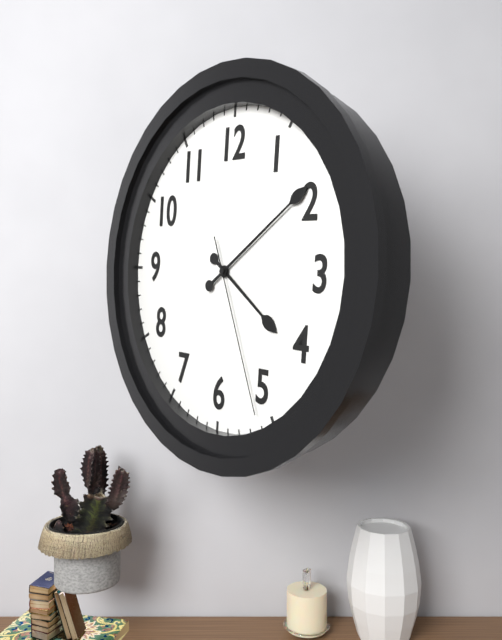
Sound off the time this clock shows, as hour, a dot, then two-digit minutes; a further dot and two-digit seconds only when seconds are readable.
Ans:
4.09.26
